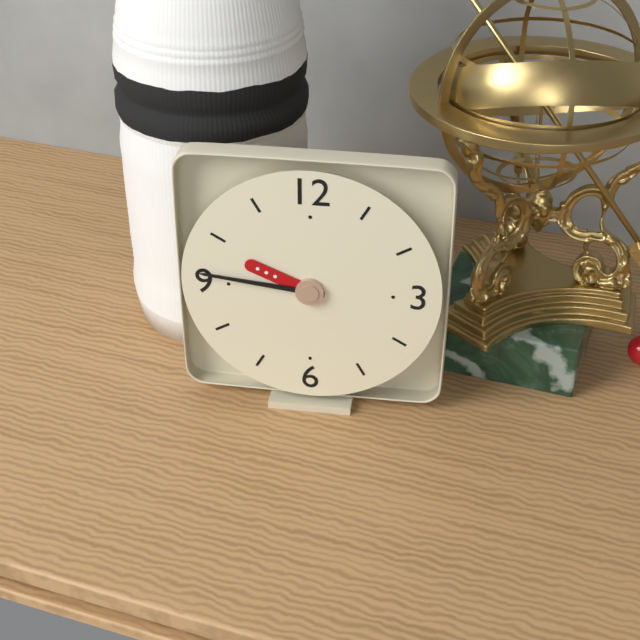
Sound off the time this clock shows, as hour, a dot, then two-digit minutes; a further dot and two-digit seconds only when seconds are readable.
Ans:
9.46
